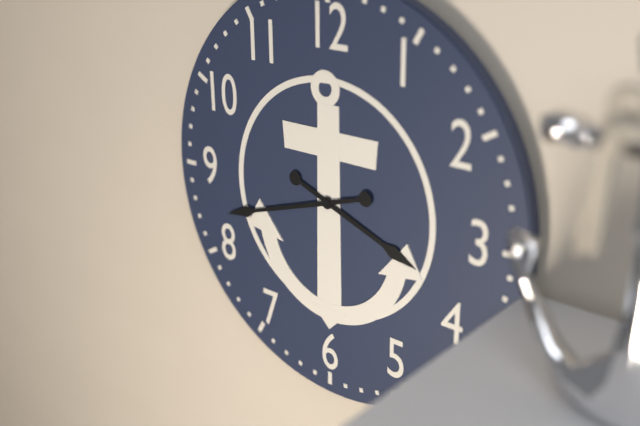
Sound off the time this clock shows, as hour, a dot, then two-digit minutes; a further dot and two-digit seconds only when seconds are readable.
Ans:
3.42
